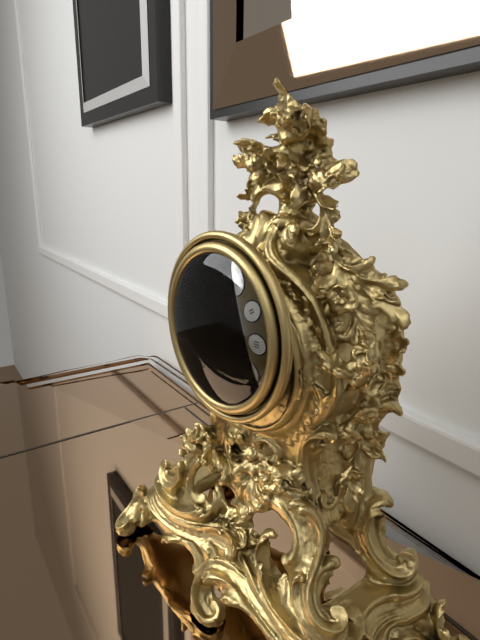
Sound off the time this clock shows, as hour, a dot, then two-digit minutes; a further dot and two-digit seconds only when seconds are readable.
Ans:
1.44.57
